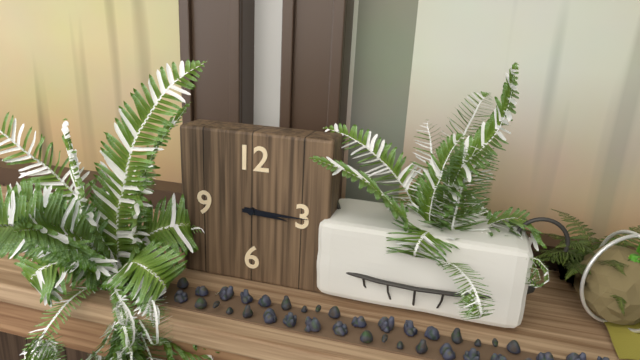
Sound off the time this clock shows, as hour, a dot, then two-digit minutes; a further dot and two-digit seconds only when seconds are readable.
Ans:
3.15
